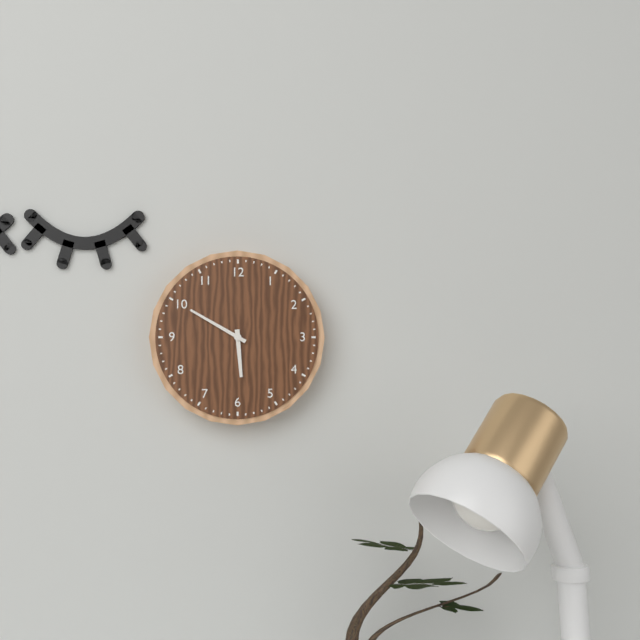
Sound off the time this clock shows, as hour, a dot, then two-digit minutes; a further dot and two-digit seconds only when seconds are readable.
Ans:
5.50
